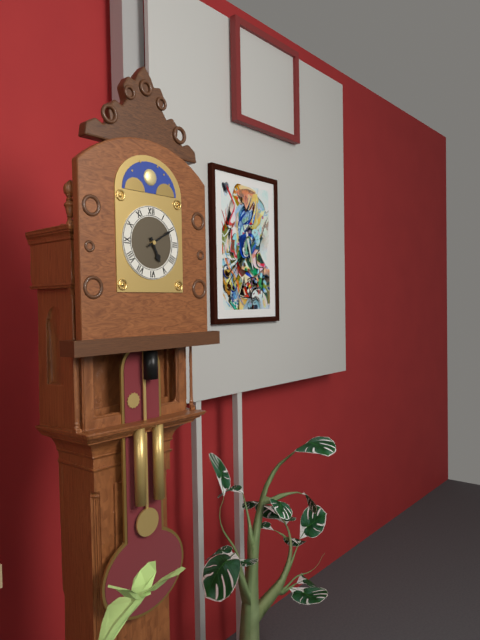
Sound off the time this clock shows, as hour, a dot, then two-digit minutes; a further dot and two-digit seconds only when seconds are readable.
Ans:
5.10
